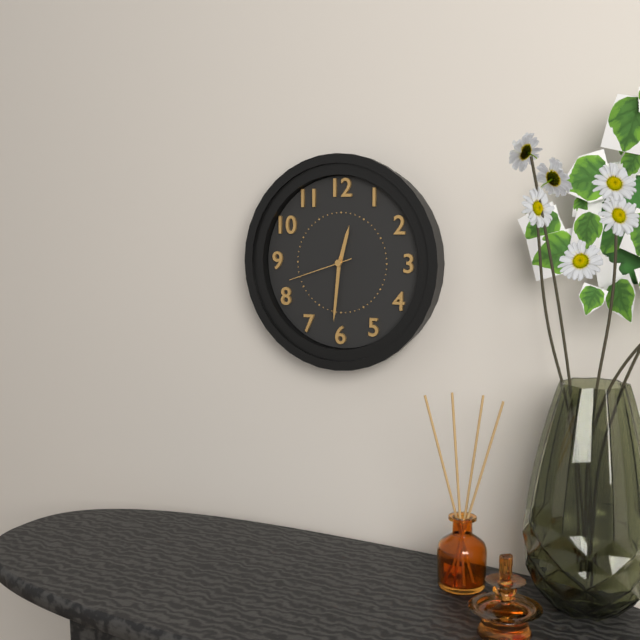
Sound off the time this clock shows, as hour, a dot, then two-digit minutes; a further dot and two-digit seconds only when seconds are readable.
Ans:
12.31.42
